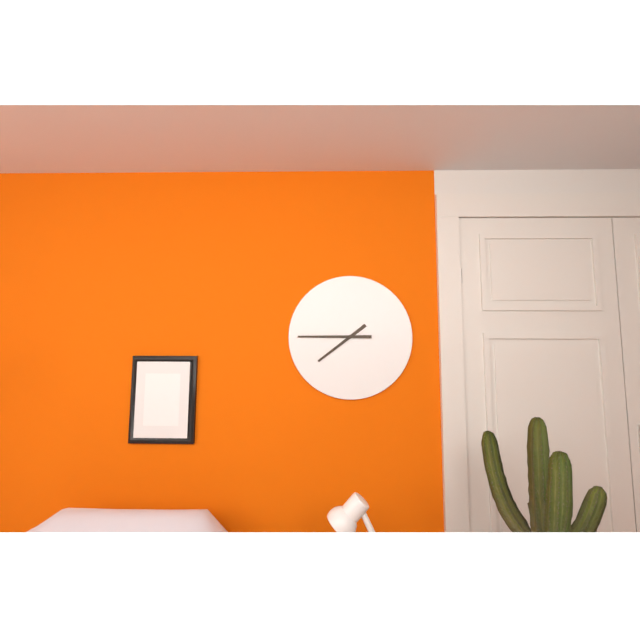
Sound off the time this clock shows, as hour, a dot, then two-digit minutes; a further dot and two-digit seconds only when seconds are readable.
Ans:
7.45
